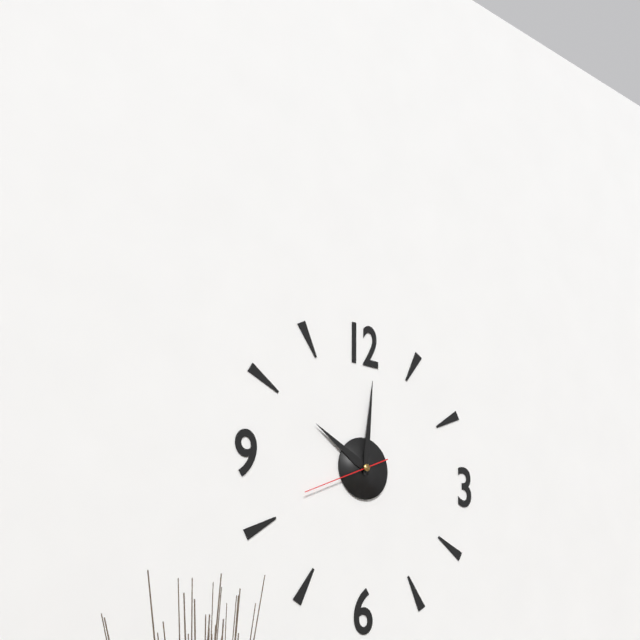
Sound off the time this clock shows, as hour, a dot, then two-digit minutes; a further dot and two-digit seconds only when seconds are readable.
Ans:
10.01.41
